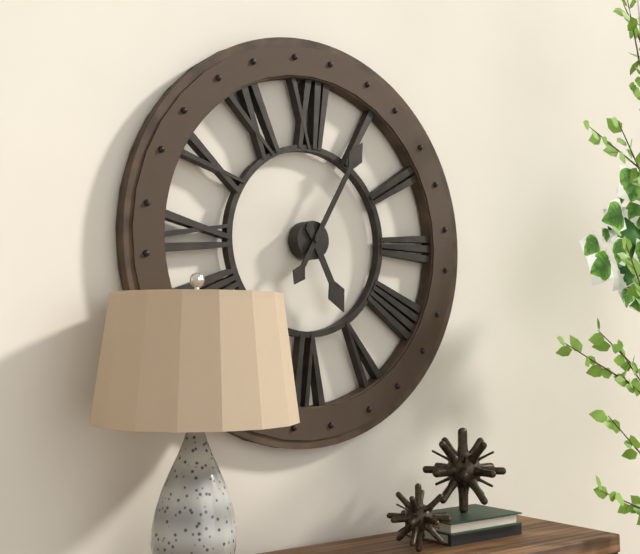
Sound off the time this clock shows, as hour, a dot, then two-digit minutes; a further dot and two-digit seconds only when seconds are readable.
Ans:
5.05
